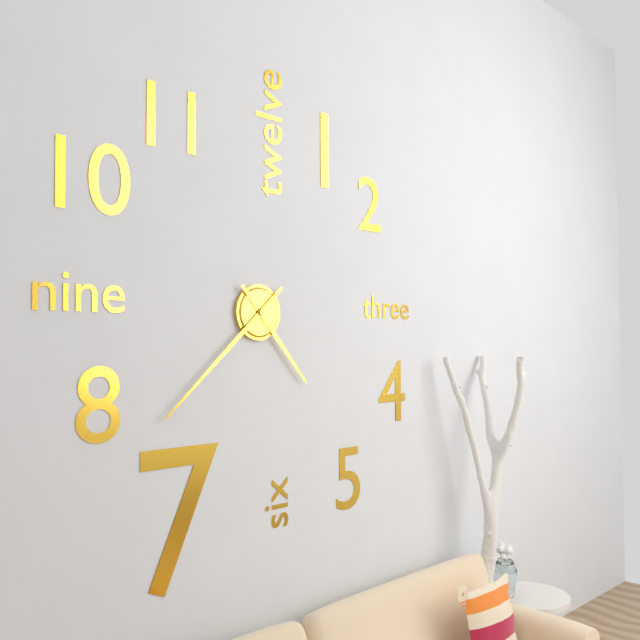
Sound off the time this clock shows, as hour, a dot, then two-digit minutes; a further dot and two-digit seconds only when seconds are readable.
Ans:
4.38
